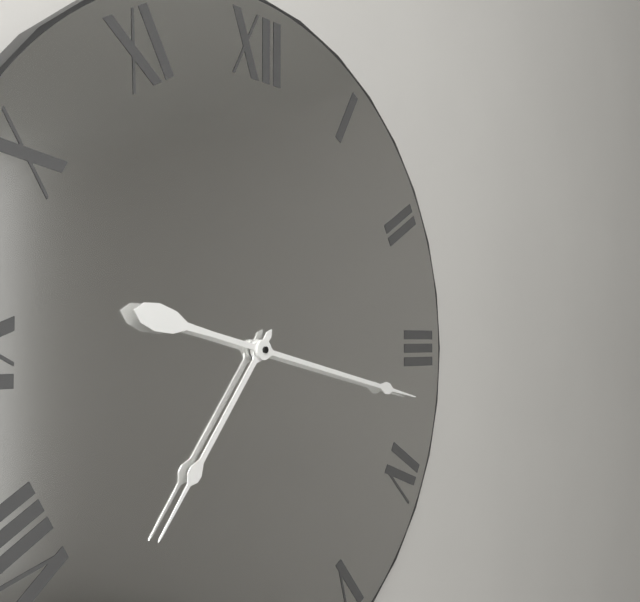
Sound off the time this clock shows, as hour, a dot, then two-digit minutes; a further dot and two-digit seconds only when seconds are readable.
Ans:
7.17
